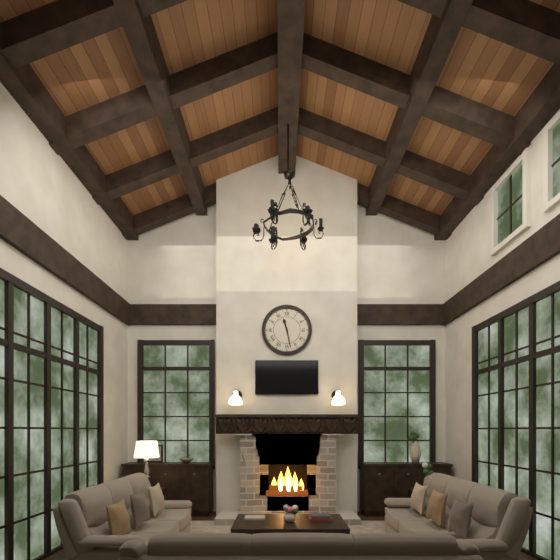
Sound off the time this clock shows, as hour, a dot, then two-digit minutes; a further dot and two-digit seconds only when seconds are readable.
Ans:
11.28
